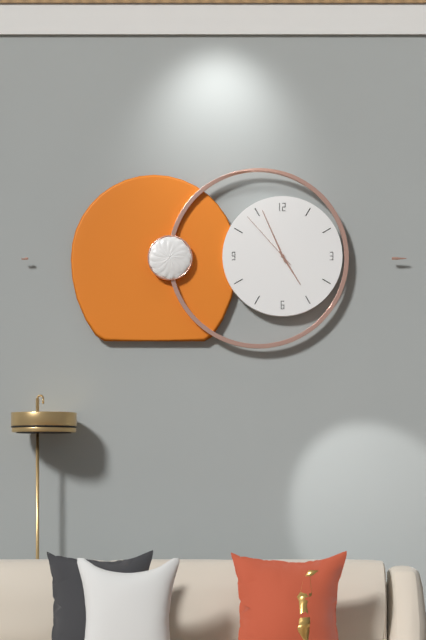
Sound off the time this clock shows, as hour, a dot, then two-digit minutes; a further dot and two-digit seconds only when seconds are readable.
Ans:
4.56.53
